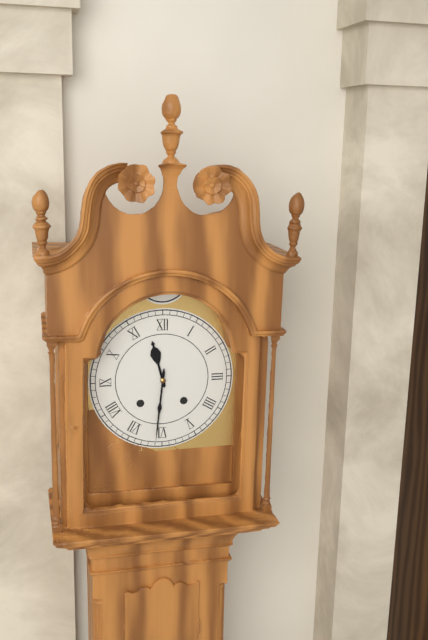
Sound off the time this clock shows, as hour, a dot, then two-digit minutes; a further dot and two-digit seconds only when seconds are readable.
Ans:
11.31
